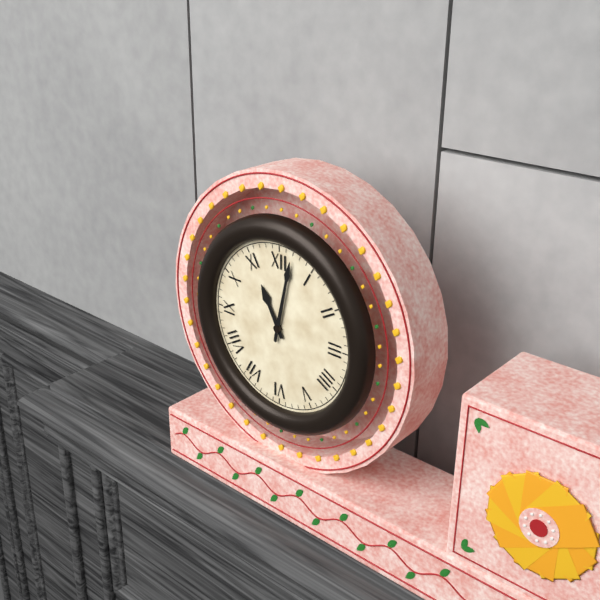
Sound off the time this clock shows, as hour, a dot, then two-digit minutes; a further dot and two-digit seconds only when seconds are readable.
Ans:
11.02
